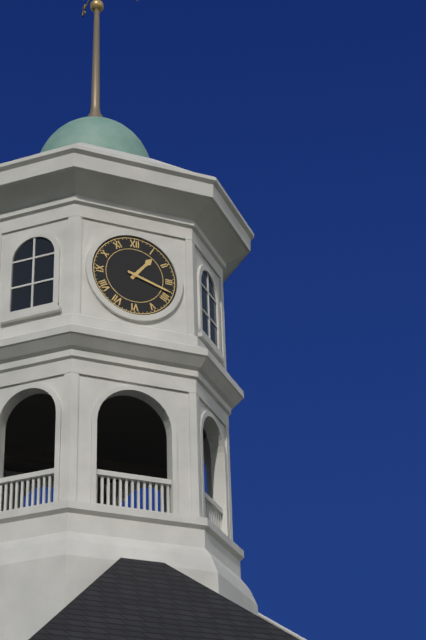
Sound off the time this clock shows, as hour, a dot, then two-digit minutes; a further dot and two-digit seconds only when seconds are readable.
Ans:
1.18
